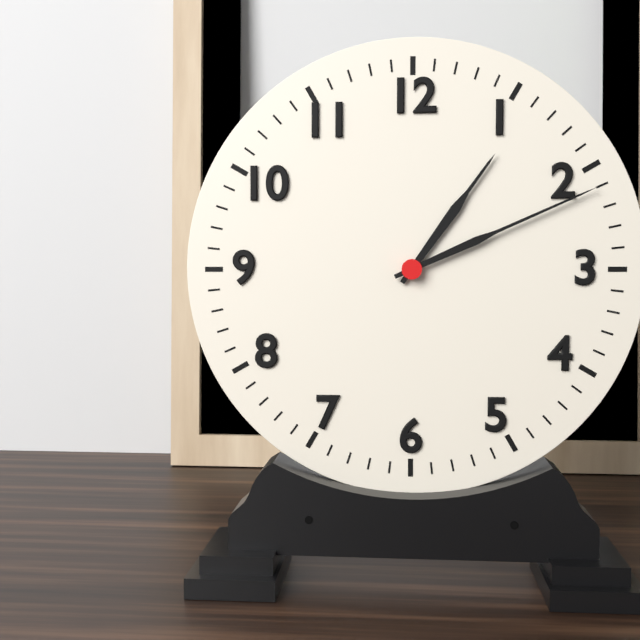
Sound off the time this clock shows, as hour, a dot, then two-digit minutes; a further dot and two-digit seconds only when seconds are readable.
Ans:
1.11
